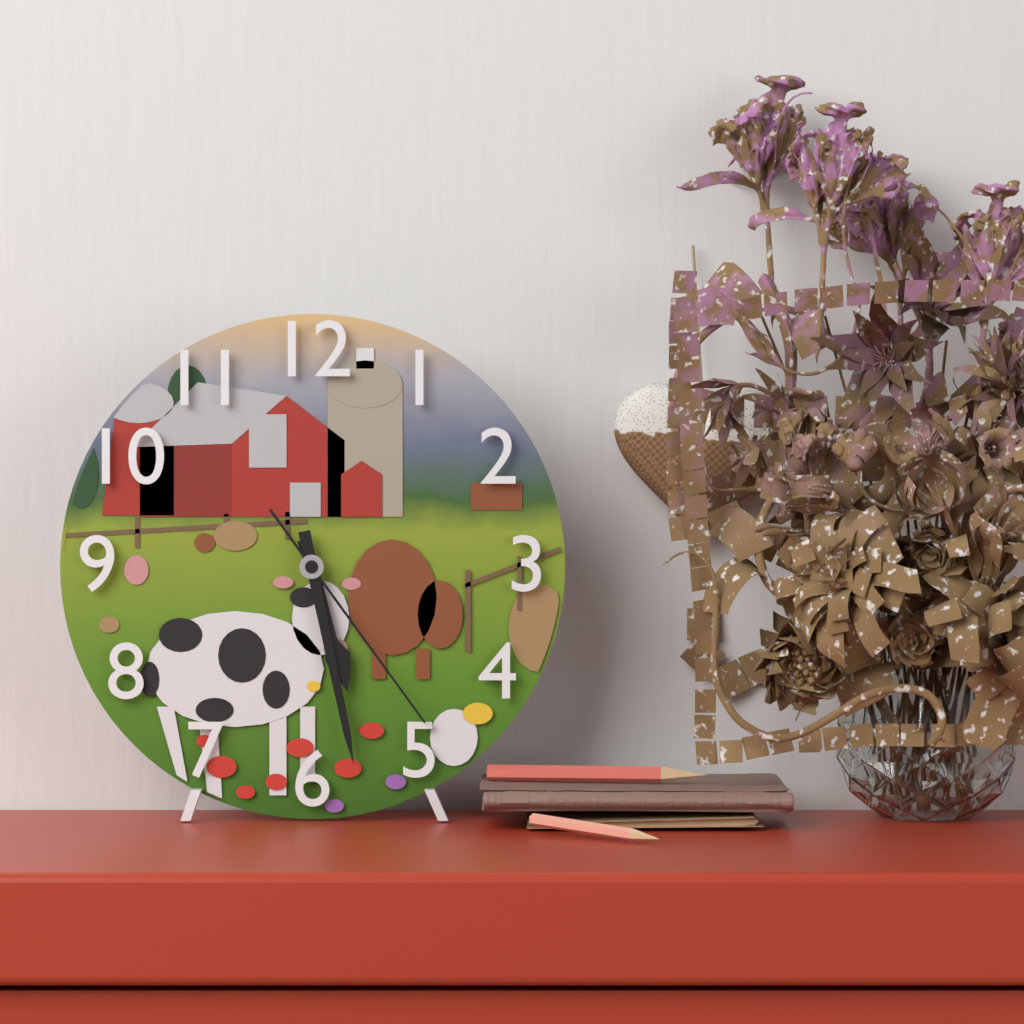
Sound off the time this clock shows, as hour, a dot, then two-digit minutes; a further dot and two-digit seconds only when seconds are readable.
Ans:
5.28.24
